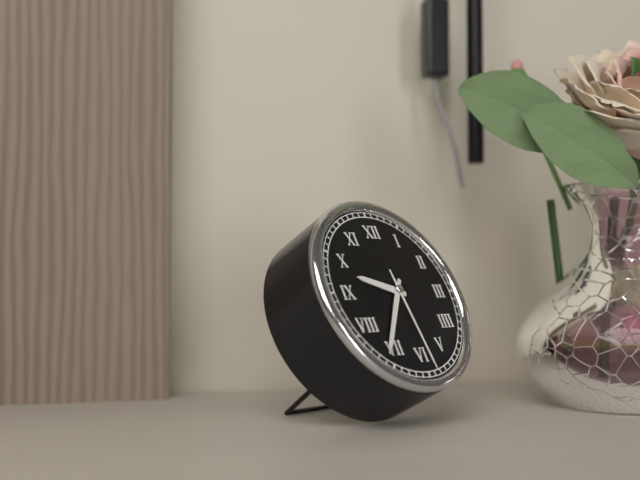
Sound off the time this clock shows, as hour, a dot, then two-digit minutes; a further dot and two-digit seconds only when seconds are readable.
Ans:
9.36.29
